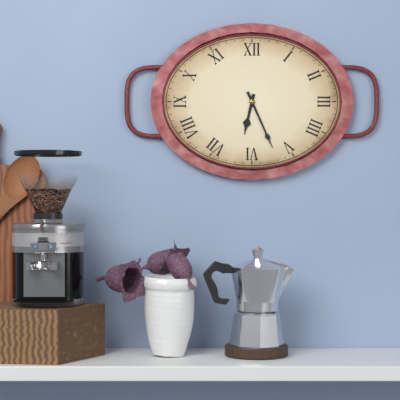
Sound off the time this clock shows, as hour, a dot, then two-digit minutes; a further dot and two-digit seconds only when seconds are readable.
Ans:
6.26
